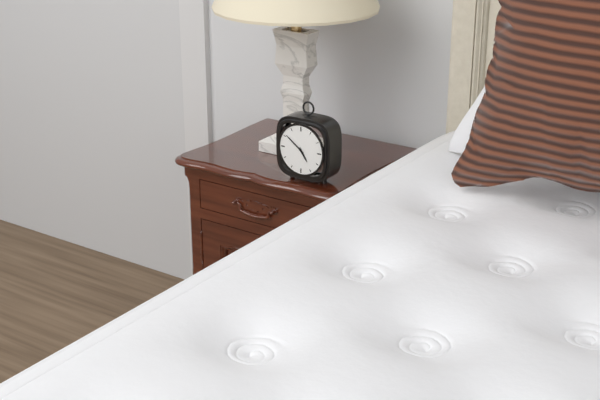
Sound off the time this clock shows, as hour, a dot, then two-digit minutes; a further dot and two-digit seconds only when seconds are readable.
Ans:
4.51
